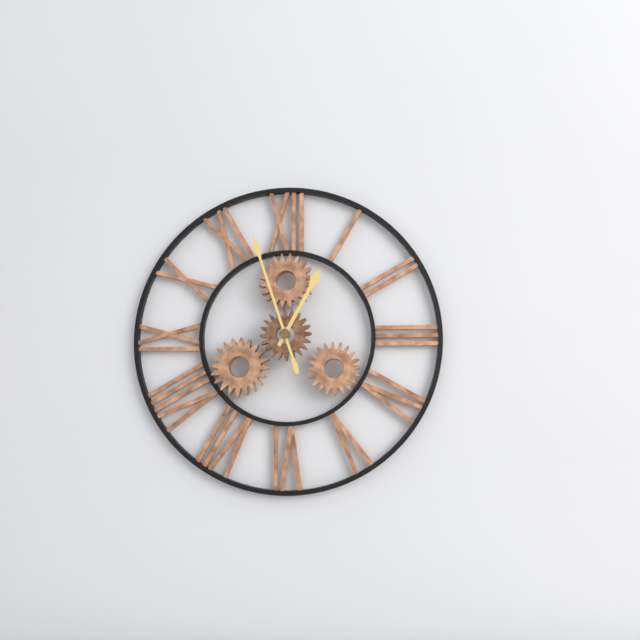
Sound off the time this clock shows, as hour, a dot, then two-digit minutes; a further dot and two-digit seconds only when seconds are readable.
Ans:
12.57
